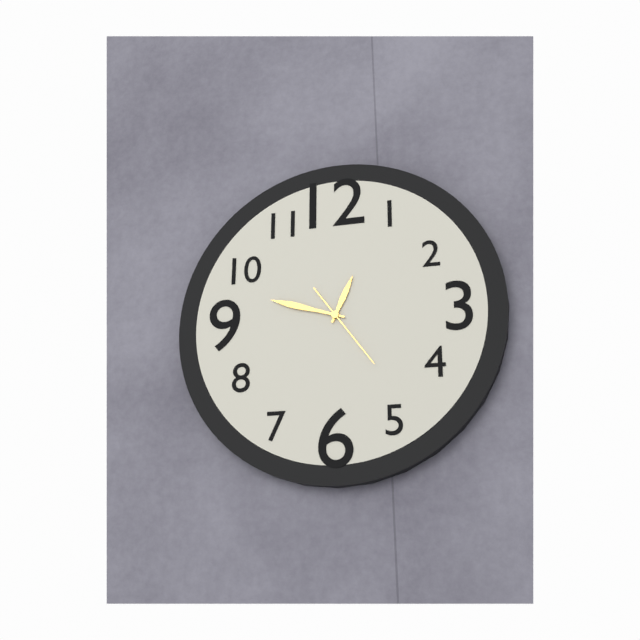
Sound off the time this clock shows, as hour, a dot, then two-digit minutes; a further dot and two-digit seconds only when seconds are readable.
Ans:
12.48.24
